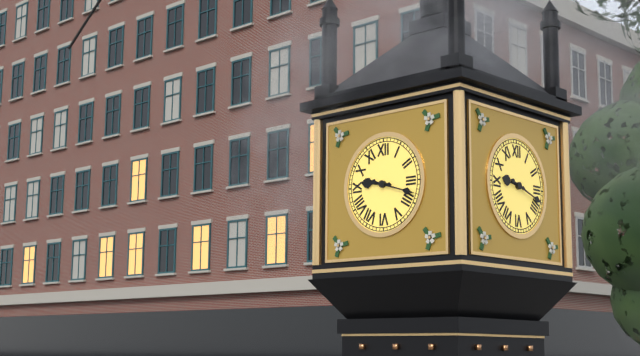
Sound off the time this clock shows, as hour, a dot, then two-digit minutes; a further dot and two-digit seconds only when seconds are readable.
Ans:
9.18
